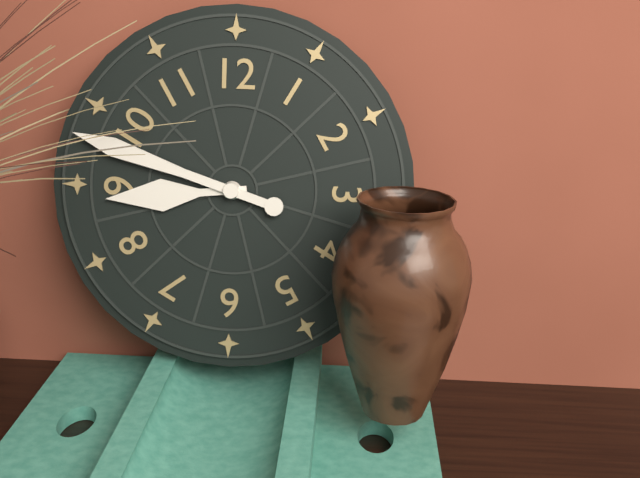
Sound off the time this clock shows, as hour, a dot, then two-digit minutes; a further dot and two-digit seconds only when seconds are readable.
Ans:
8.48
